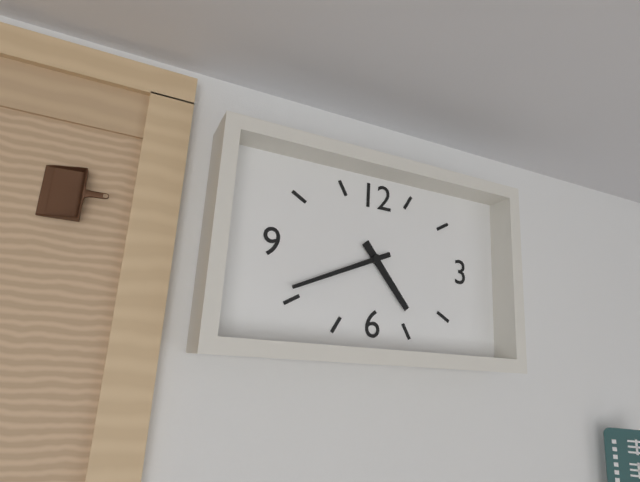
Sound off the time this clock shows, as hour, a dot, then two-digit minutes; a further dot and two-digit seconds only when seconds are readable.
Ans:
4.41
